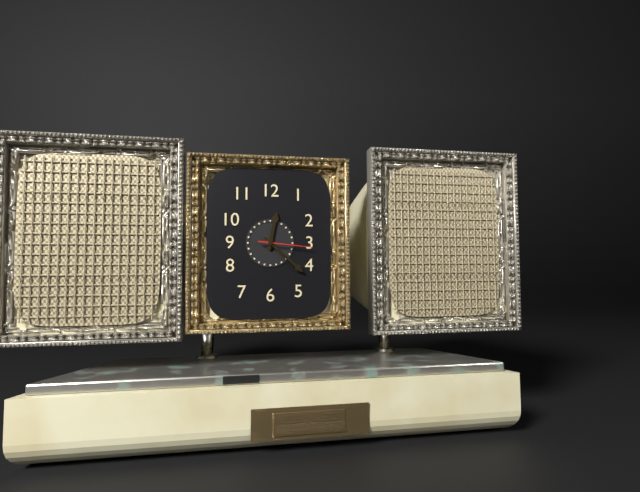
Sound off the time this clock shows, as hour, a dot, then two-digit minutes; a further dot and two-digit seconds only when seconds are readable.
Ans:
12.22.16
